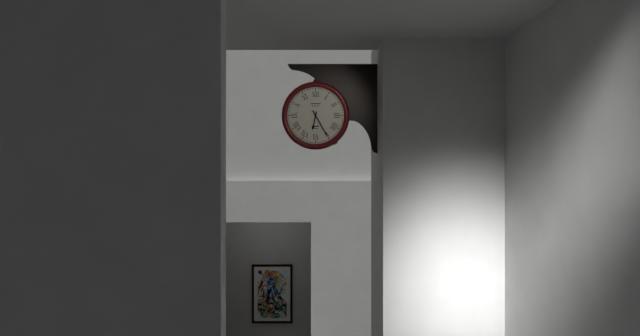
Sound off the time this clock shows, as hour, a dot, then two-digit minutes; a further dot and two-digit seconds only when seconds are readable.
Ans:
6.25
